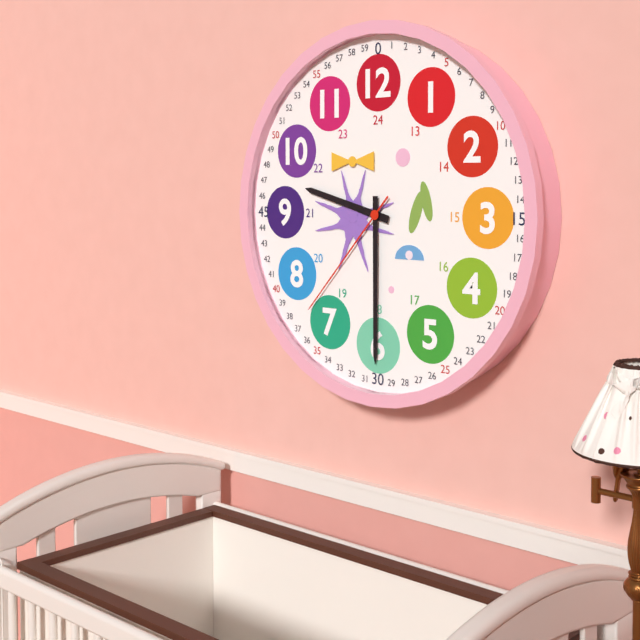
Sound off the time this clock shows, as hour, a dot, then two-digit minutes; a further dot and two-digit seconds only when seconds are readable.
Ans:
9.30.37
